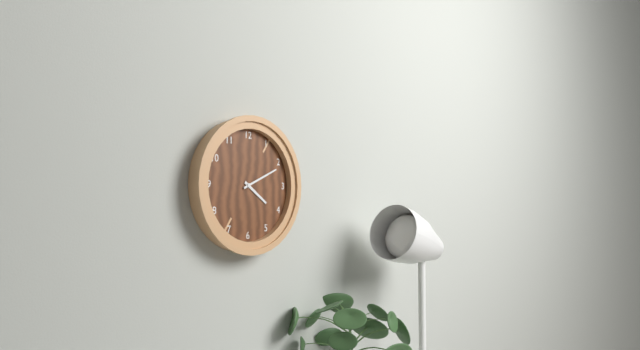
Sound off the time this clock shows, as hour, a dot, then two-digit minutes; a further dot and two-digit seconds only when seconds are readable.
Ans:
4.11
